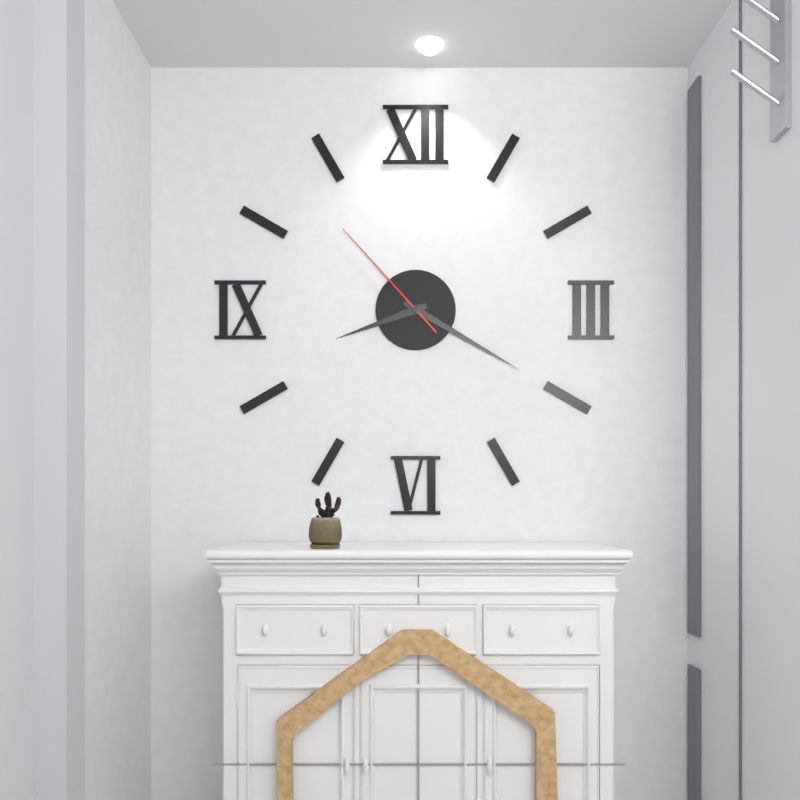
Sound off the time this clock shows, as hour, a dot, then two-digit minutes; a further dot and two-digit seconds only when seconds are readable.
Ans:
8.20.53
